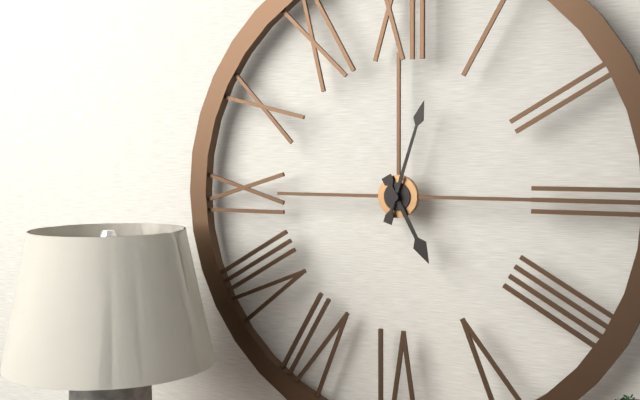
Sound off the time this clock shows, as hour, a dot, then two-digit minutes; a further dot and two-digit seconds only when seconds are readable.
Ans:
5.03
